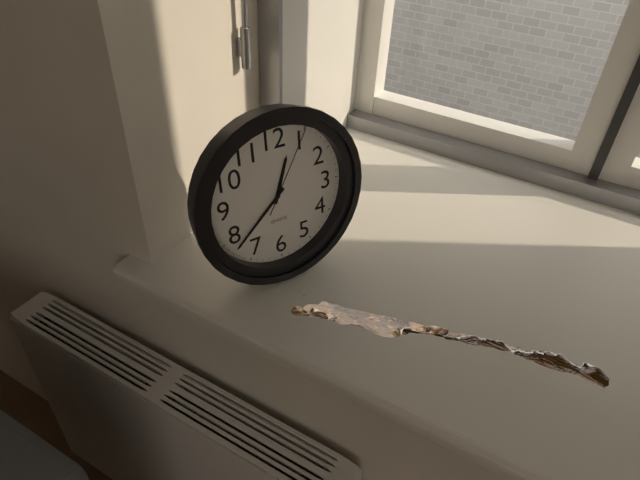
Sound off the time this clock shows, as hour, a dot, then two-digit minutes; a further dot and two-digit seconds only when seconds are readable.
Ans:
12.38.05
